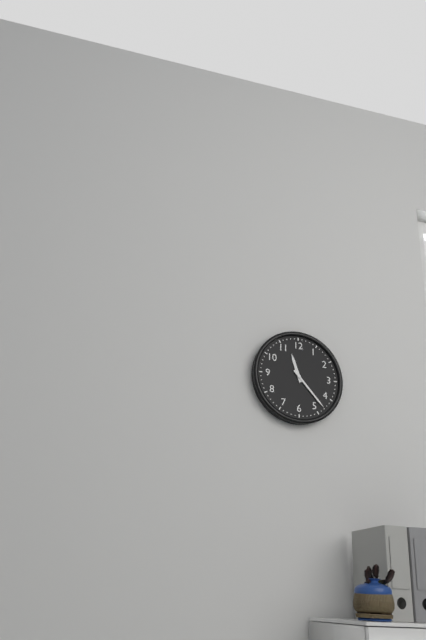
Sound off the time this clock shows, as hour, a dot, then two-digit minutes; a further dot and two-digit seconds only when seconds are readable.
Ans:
11.23
